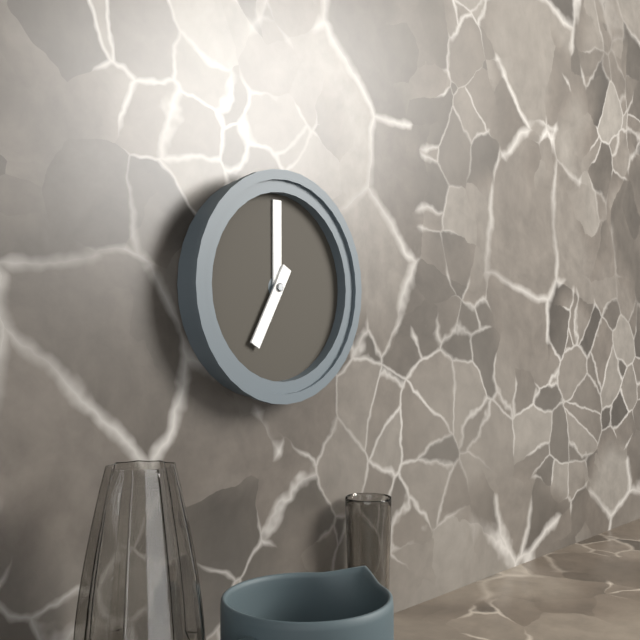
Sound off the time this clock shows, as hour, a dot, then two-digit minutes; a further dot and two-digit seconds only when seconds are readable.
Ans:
7.00
